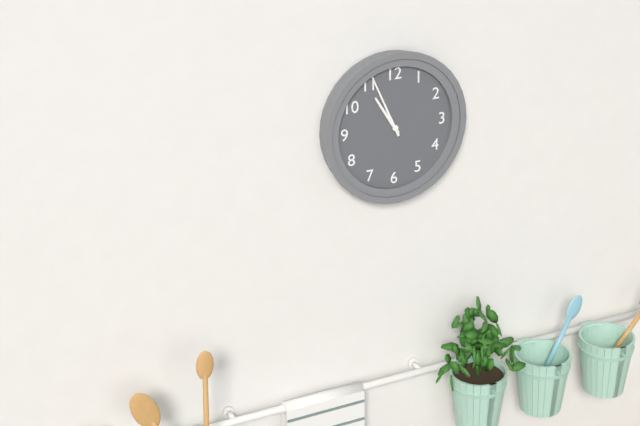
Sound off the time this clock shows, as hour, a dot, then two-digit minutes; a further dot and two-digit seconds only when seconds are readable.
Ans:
10.56
